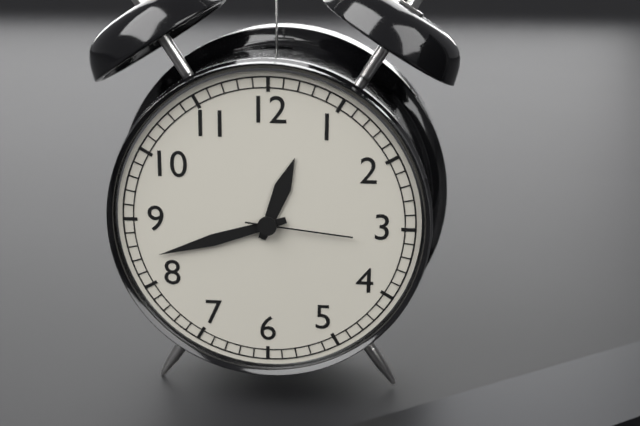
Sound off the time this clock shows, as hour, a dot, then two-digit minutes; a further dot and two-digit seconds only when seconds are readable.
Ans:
12.42.16
